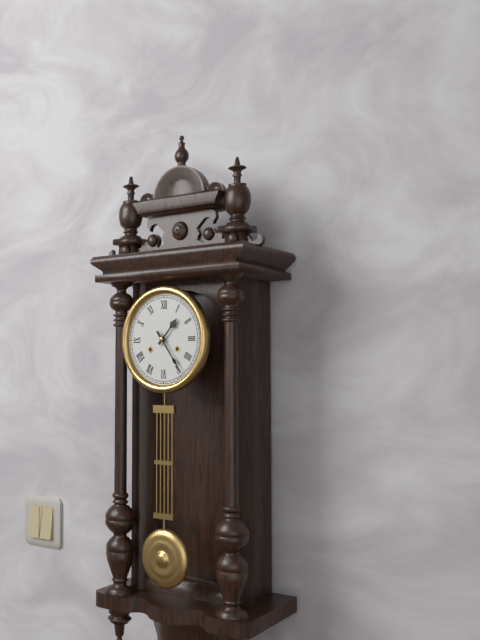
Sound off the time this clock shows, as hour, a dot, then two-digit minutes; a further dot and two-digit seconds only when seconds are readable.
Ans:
1.24
